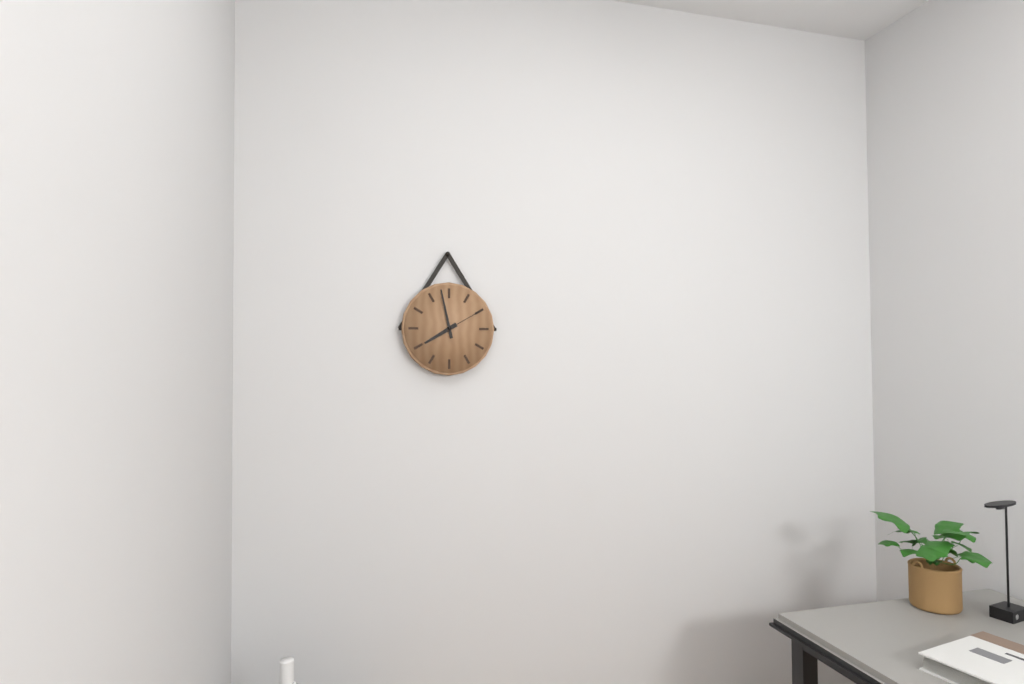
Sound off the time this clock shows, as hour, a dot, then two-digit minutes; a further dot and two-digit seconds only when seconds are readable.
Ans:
7.58
